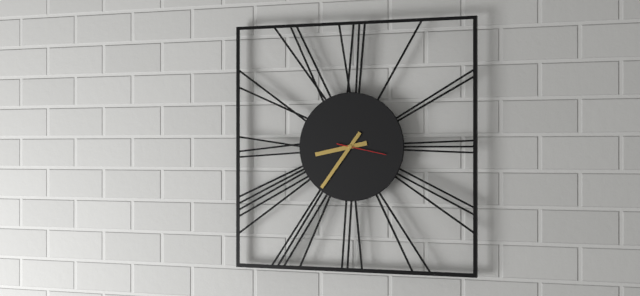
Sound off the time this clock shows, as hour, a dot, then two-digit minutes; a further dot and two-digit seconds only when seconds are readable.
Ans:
8.36
